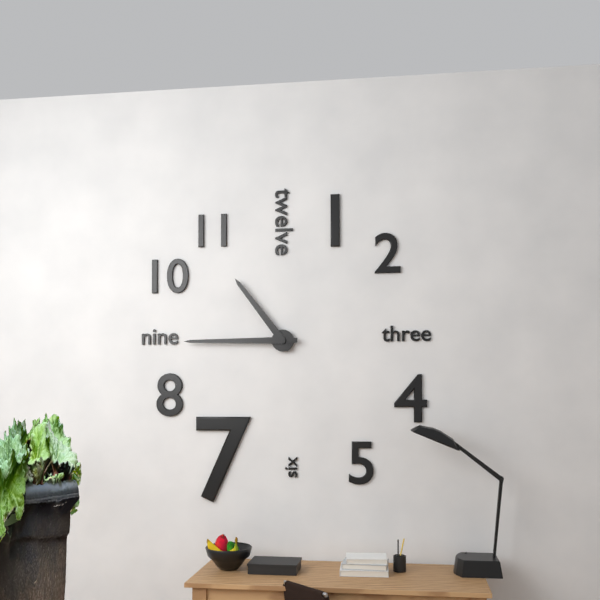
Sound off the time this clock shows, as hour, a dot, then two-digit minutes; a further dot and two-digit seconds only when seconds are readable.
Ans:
10.45
